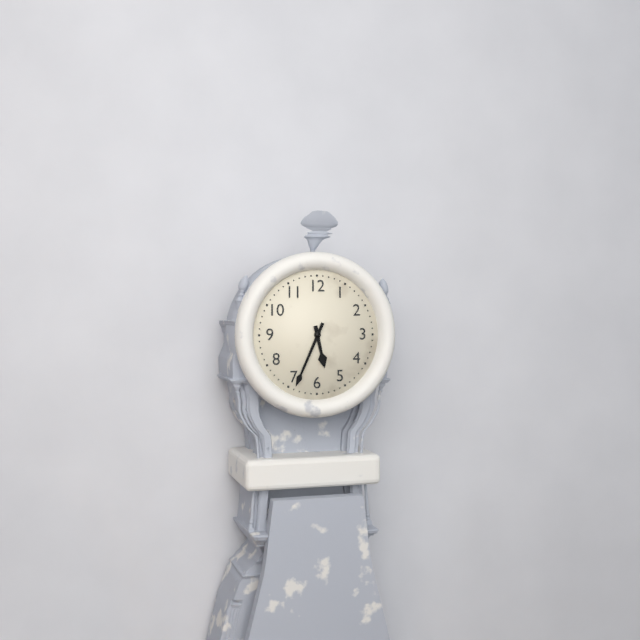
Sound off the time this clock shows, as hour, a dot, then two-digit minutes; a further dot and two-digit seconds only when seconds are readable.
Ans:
5.34
